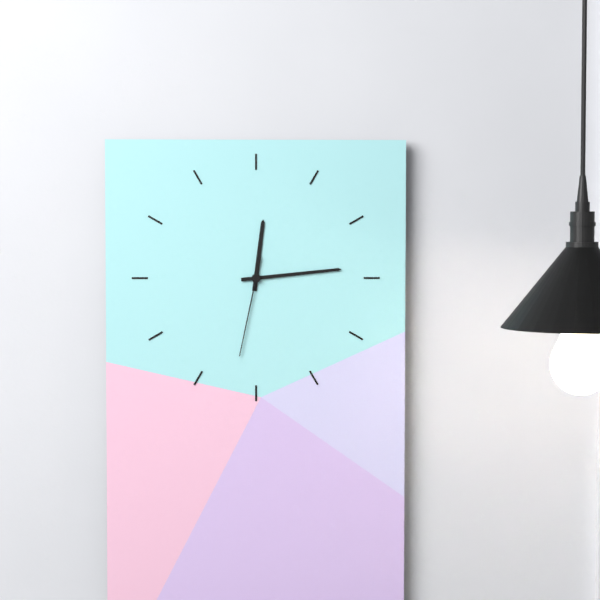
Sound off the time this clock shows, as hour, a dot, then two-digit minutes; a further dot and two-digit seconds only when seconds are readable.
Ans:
12.14.32
